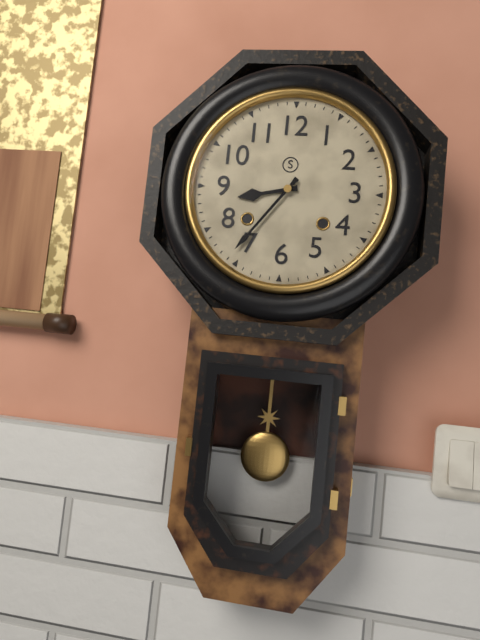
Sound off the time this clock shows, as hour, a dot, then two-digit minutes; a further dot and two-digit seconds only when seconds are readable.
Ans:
8.36
